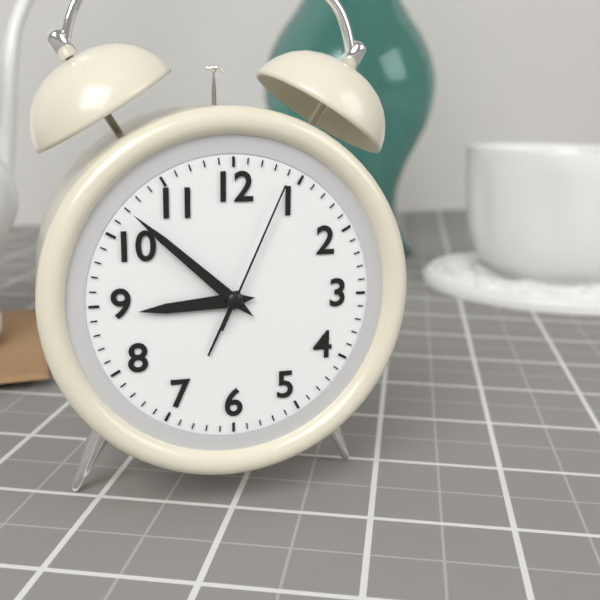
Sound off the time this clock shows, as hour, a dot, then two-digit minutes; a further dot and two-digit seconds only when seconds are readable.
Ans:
8.52.04
